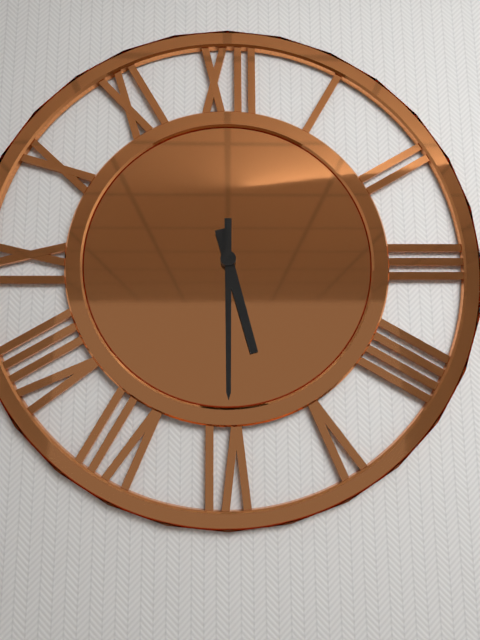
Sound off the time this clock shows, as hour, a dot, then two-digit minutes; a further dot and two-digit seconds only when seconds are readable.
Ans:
5.30
